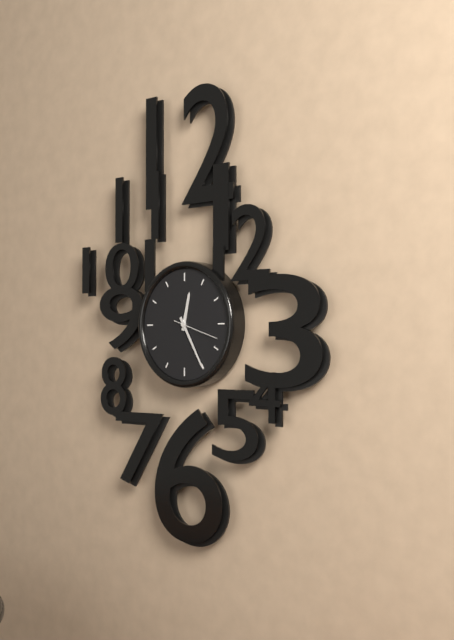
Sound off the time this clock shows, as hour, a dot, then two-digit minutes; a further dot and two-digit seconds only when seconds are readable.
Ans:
12.25
